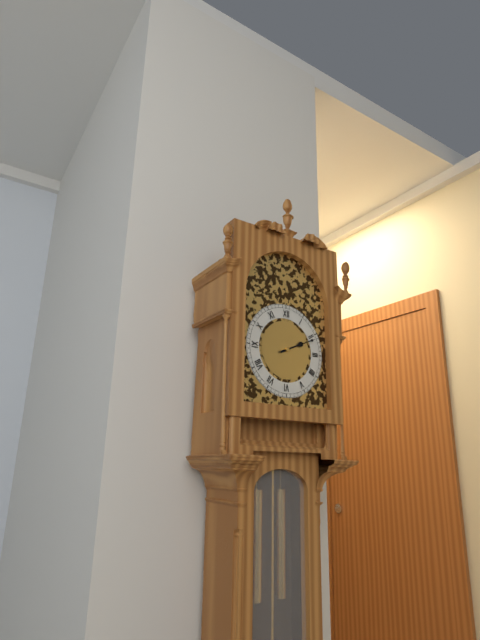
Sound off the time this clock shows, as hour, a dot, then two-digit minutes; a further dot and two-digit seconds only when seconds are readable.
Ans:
2.11
